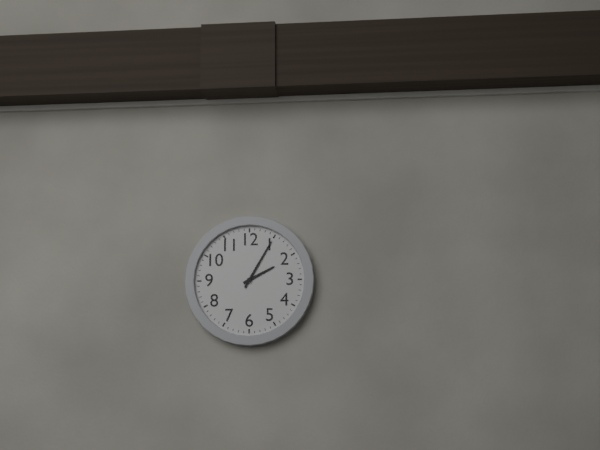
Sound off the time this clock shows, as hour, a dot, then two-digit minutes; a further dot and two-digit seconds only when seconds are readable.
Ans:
2.05
